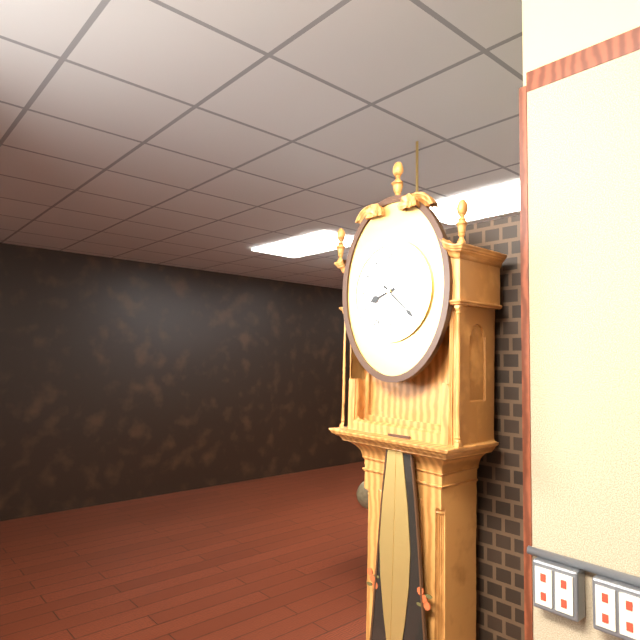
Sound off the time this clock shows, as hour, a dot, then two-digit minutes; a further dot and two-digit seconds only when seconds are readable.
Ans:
8.22
